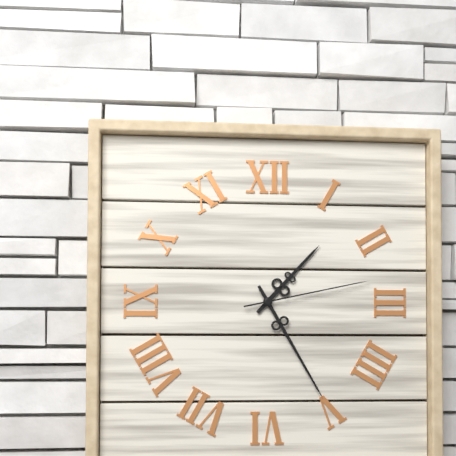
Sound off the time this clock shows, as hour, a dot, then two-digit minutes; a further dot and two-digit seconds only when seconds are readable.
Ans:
1.25.13
